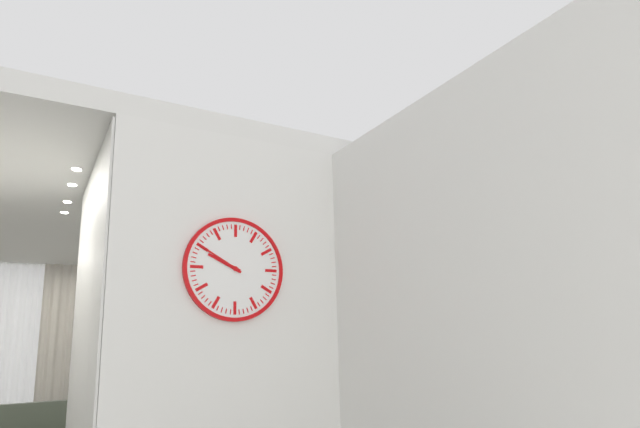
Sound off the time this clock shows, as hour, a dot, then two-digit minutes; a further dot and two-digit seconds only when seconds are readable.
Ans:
9.50
